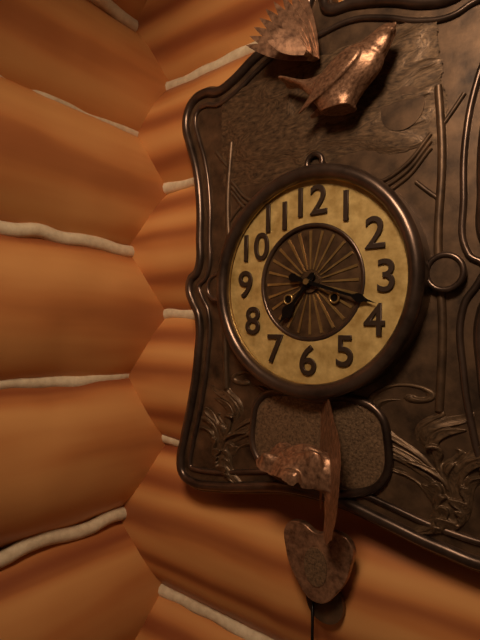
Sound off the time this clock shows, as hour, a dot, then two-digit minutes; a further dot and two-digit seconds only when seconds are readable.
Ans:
7.18
